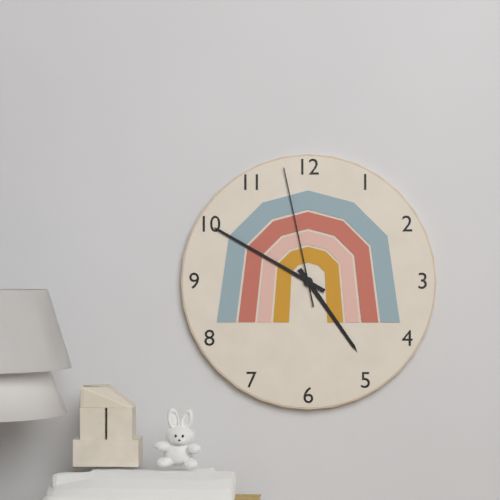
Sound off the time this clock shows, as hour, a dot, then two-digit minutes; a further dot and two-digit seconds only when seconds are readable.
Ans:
4.50.58
